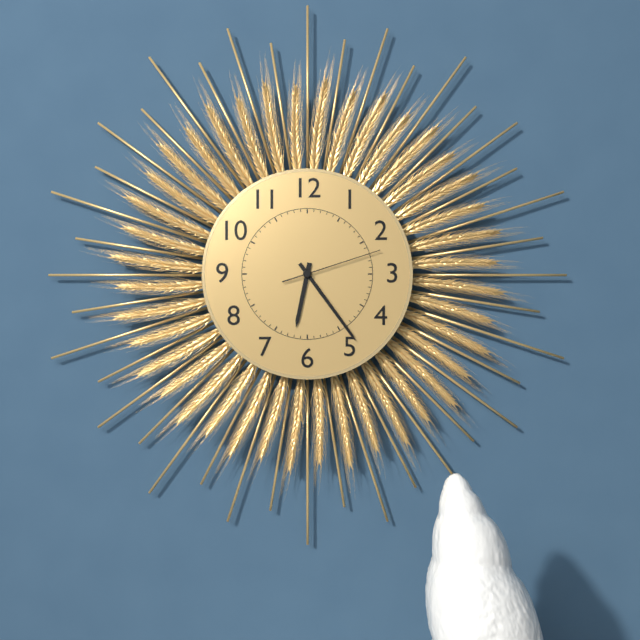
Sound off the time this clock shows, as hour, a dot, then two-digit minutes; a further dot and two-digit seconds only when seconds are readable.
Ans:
6.24.12
